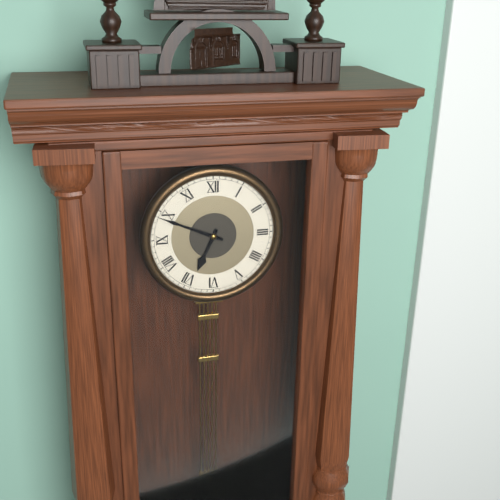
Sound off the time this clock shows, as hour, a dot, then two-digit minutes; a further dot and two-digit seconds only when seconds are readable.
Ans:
6.49
